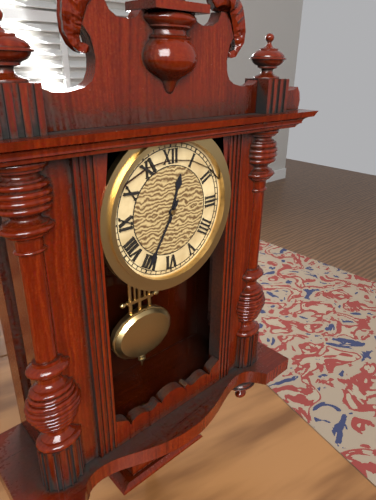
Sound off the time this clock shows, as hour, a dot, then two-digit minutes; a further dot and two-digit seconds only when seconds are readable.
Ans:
12.35
